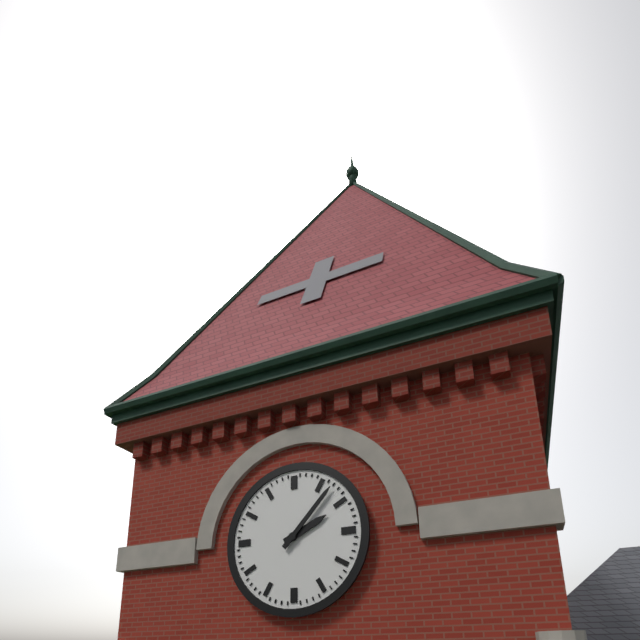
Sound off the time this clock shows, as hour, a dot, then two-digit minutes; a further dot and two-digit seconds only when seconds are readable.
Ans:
2.07
